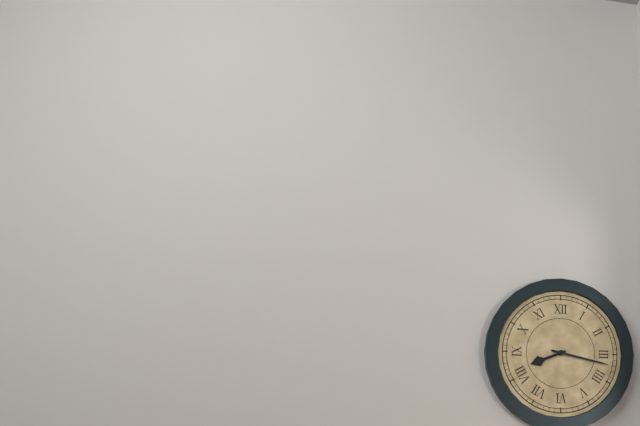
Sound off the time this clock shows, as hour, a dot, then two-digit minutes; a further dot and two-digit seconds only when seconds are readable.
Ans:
8.17
